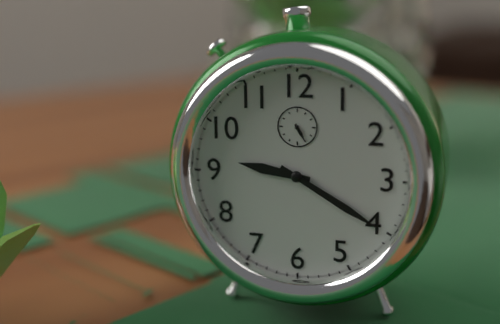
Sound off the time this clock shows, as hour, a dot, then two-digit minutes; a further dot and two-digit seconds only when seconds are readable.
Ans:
9.20
